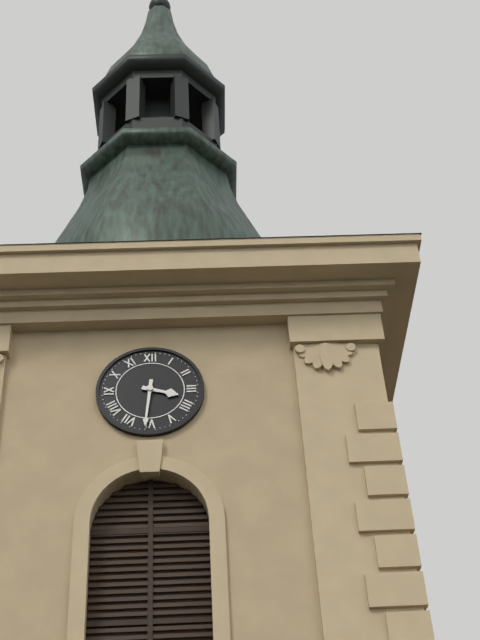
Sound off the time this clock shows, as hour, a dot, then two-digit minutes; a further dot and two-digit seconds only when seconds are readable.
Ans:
3.31
